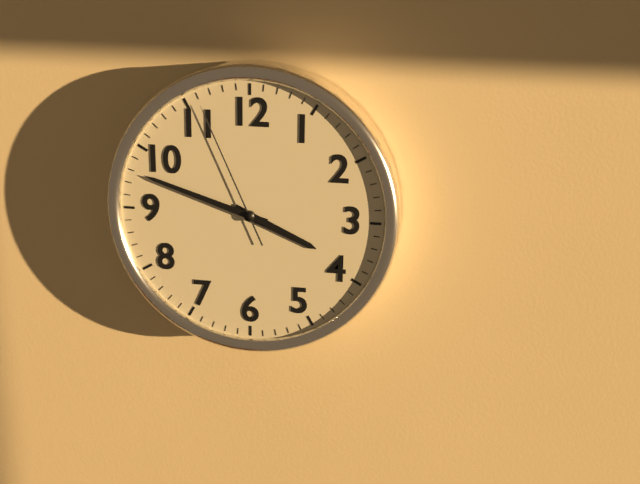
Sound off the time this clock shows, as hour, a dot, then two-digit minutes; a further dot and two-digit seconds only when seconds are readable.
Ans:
3.48.56
